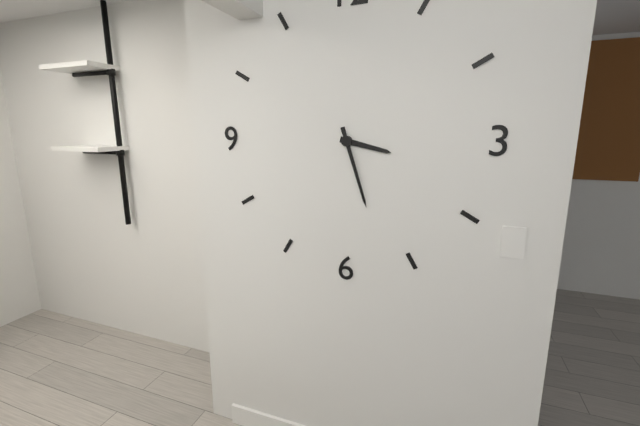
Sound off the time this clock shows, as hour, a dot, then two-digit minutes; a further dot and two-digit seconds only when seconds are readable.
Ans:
3.27
